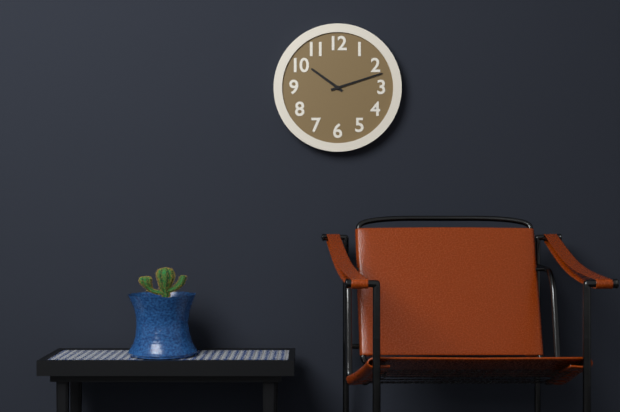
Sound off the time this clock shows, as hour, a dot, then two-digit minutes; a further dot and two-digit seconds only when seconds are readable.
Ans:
10.12
